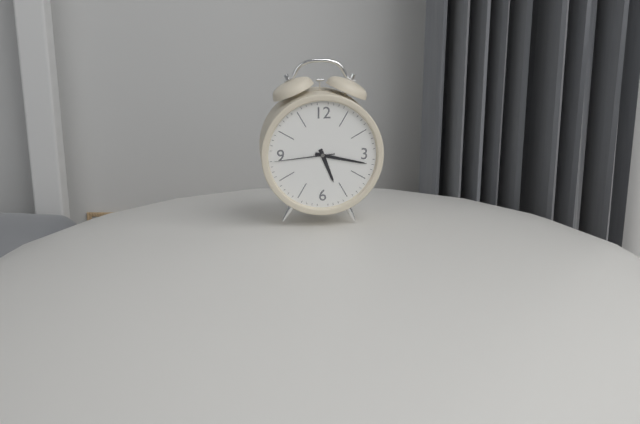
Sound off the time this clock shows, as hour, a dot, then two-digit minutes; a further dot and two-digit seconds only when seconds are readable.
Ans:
5.17.44
